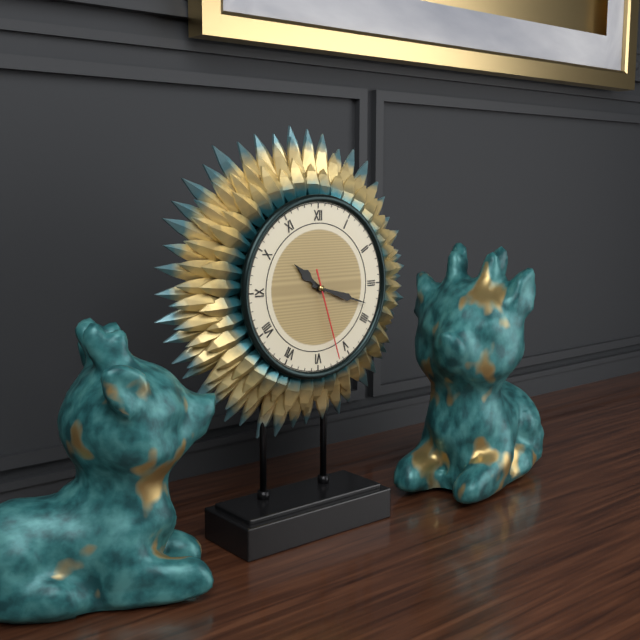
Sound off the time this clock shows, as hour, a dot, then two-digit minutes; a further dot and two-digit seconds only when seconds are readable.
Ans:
10.18.27
